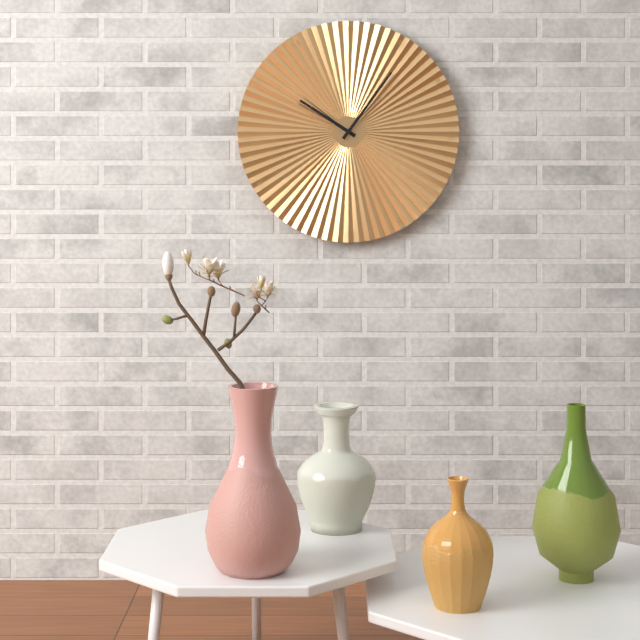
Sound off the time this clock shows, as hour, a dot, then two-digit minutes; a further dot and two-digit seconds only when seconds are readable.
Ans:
10.06
